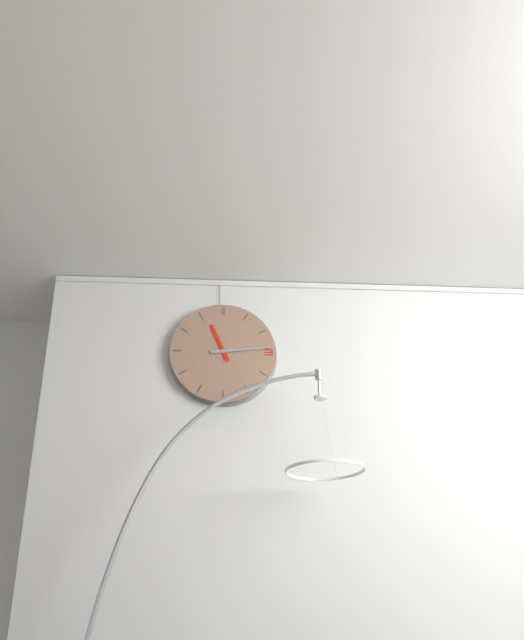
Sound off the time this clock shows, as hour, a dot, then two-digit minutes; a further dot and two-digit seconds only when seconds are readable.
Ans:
11.14
